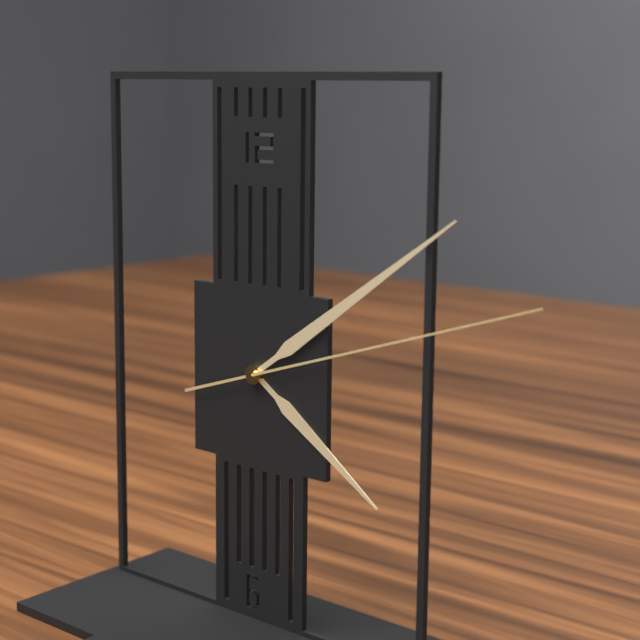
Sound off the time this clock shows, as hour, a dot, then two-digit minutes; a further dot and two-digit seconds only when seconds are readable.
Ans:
4.09.12
